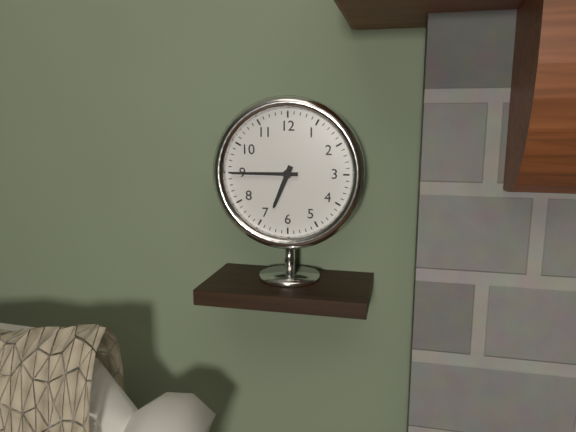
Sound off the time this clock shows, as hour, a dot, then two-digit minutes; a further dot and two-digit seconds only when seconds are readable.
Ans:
6.45
